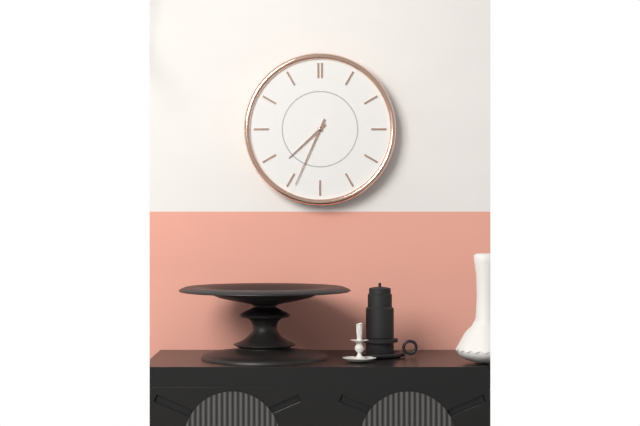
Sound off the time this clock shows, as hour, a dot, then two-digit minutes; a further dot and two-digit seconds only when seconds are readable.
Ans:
7.34
